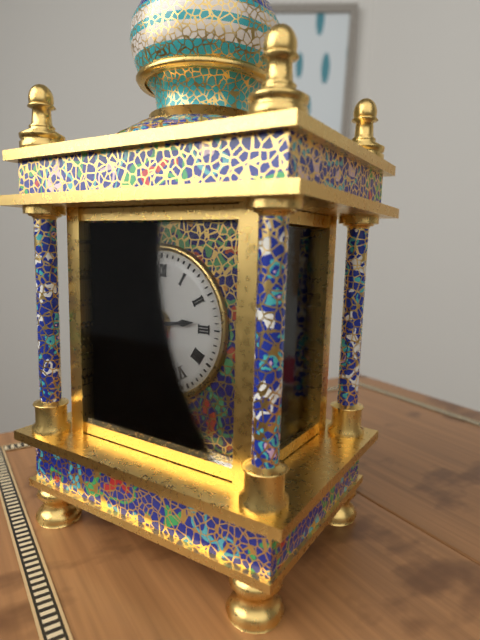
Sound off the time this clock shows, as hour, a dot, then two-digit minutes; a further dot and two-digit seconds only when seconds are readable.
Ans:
2.44.51
